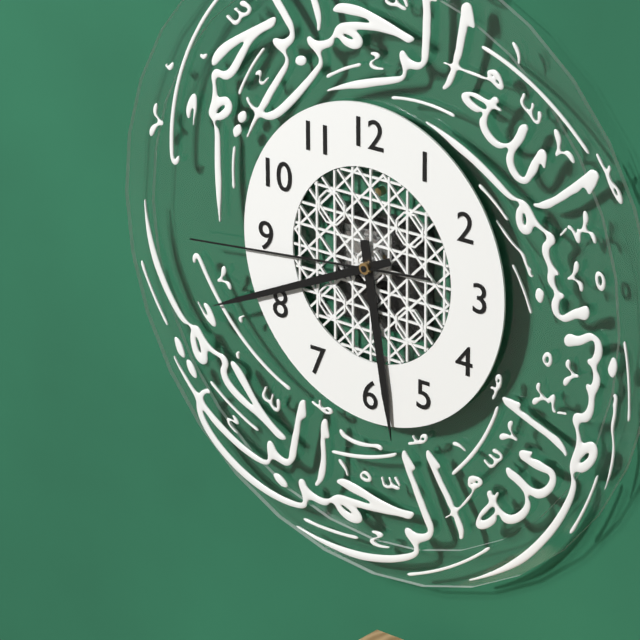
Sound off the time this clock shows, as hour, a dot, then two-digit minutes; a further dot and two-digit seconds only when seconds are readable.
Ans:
5.41.44
